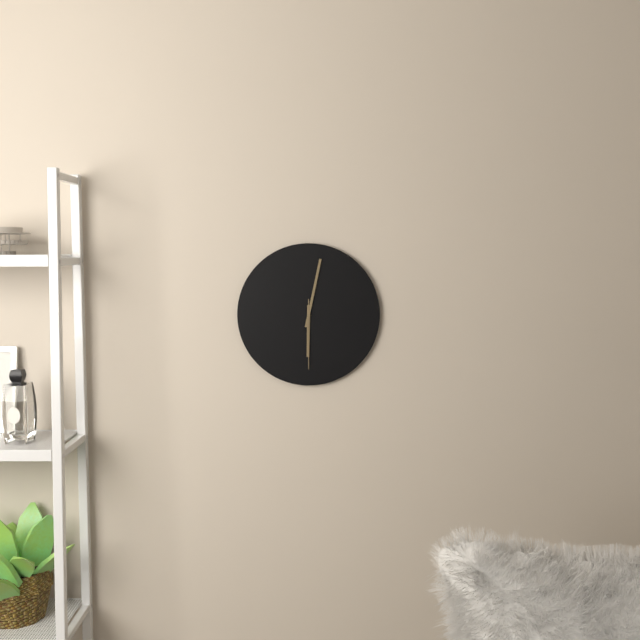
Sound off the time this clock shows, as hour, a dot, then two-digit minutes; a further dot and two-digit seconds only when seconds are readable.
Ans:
6.02.30
